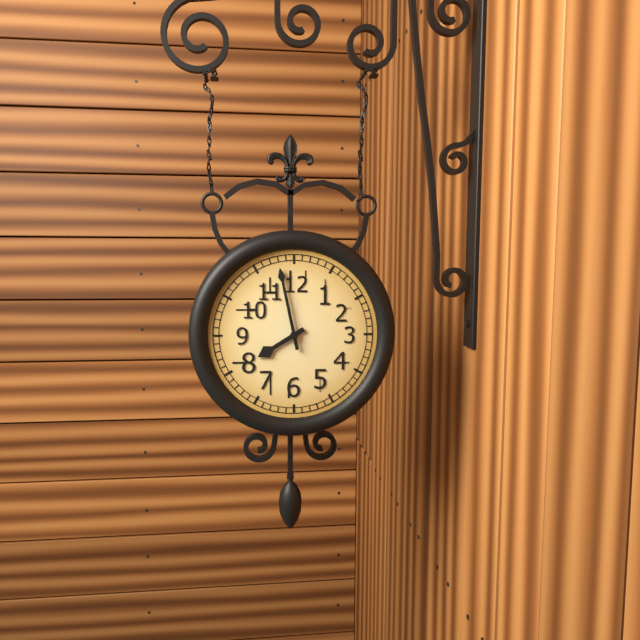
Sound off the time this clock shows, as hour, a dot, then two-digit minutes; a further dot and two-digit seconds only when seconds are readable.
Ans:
7.58
